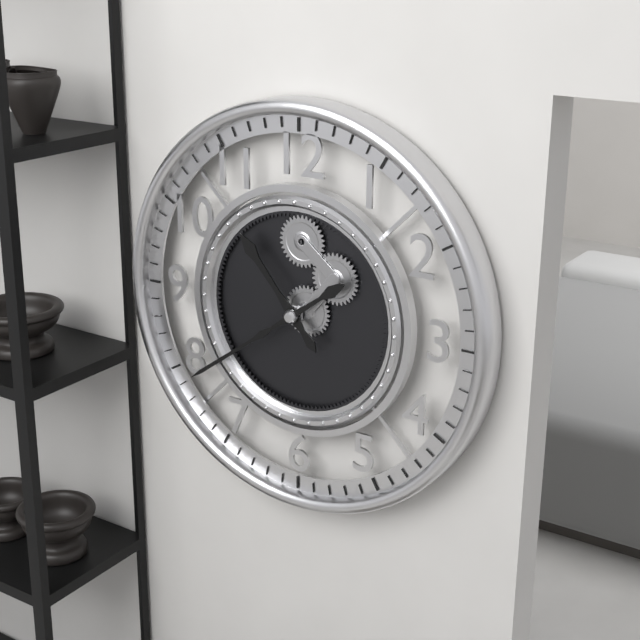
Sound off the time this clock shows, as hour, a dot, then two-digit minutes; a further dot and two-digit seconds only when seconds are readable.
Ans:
10.39
